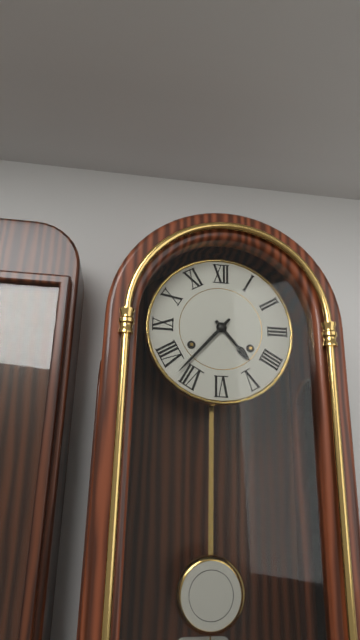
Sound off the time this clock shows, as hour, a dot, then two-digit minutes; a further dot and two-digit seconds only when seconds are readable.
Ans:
4.37
